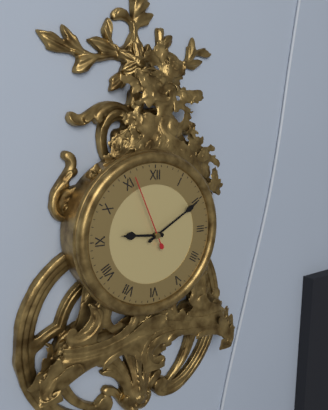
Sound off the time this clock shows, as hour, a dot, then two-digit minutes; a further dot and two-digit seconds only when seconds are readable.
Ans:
9.10.56
